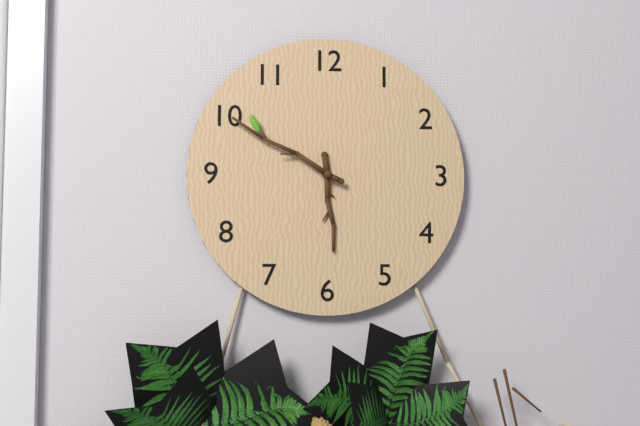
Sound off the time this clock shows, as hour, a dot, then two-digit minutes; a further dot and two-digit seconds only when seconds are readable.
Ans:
5.50
